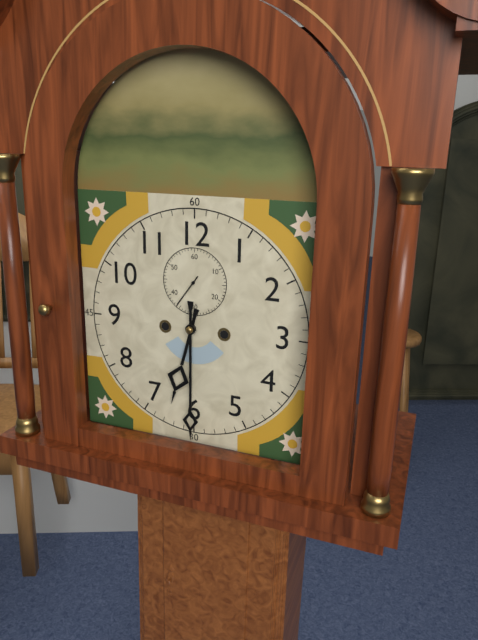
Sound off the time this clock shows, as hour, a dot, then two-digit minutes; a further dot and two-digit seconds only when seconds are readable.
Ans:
6.30
